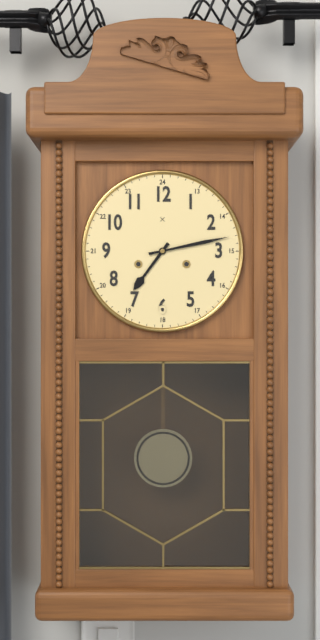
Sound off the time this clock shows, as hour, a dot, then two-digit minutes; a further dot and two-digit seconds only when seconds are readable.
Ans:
7.13
